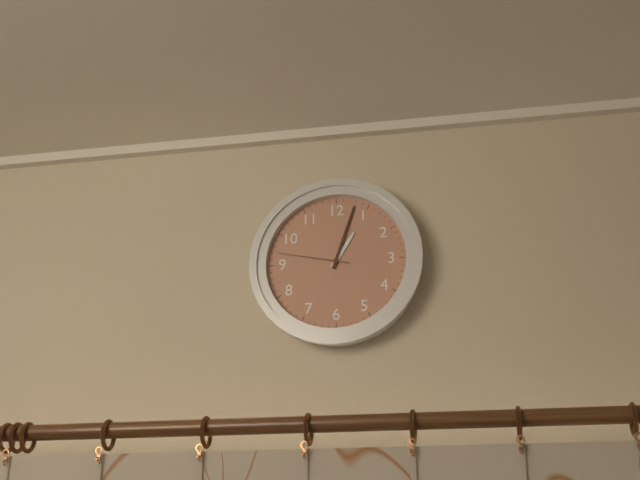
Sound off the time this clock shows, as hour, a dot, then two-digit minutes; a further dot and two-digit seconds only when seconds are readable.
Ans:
1.03.47
